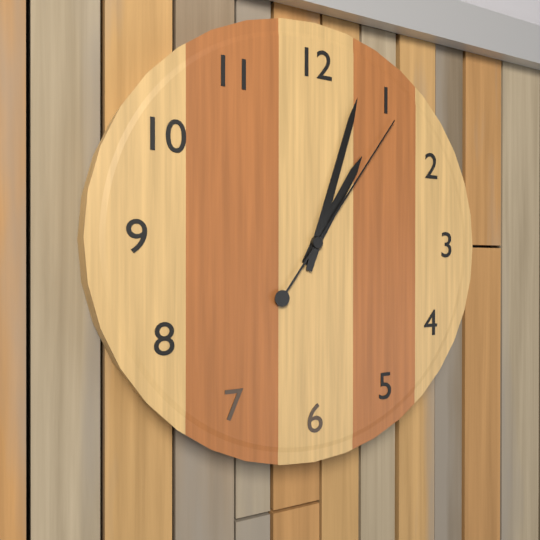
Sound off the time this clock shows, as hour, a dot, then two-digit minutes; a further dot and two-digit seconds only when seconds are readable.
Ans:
1.03.06
